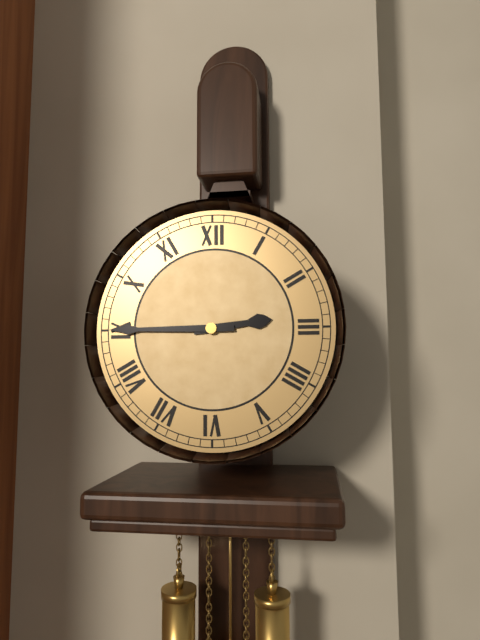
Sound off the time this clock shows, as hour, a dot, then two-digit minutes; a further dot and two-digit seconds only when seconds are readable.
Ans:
2.45
